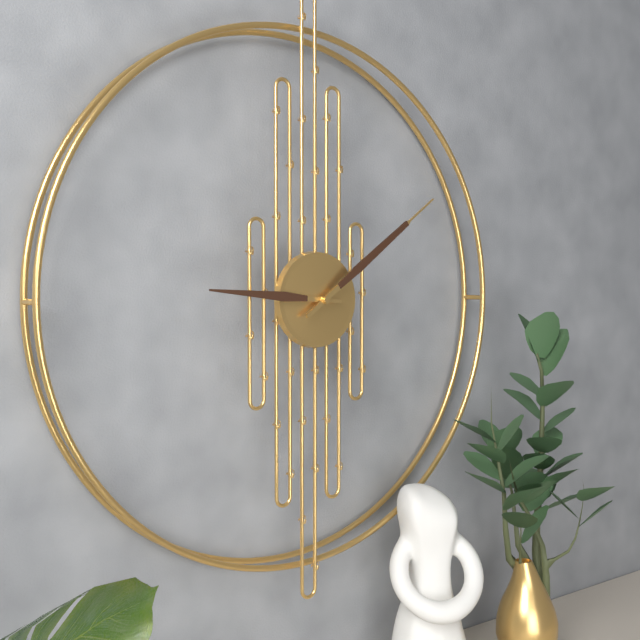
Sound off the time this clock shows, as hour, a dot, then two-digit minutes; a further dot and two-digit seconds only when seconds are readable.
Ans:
9.09
